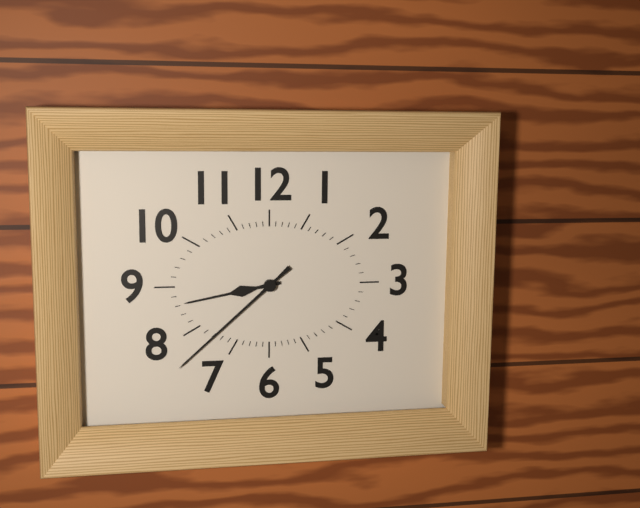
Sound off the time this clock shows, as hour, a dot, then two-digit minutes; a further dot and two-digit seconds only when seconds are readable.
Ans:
8.38
